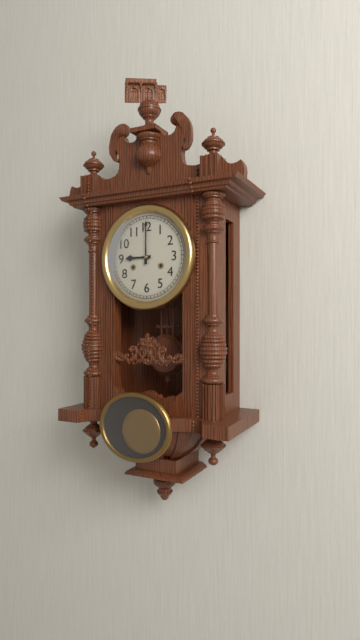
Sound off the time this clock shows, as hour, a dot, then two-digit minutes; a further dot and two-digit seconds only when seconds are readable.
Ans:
9.00
